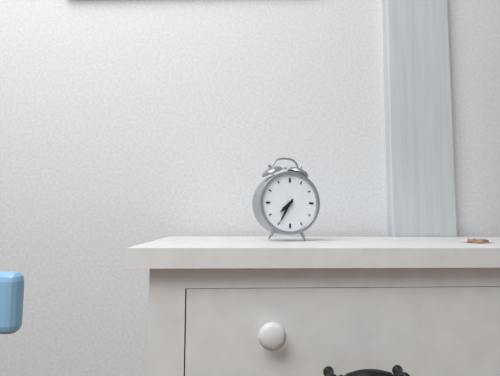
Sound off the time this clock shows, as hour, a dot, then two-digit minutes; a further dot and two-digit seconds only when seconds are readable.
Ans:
7.35
